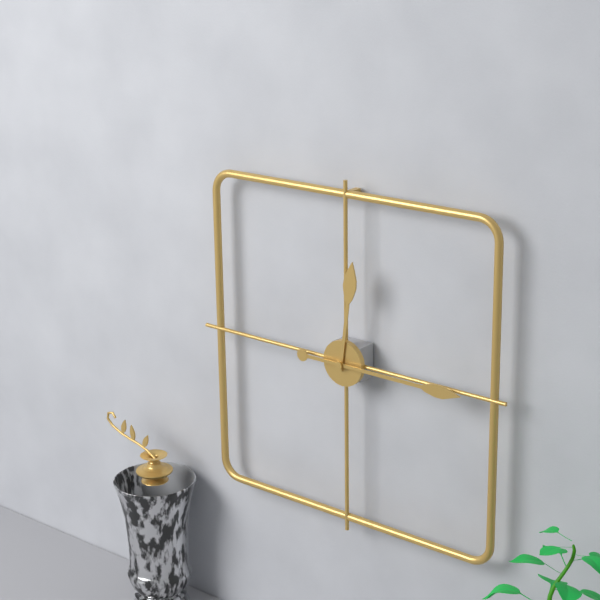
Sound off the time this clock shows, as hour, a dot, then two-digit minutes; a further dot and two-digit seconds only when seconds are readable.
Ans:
12.15
